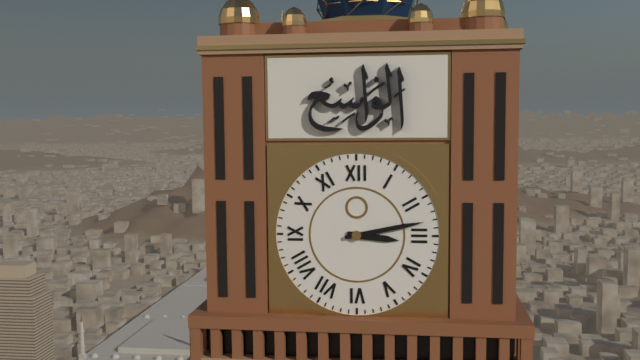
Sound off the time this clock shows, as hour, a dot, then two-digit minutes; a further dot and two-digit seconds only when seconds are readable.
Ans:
3.13
